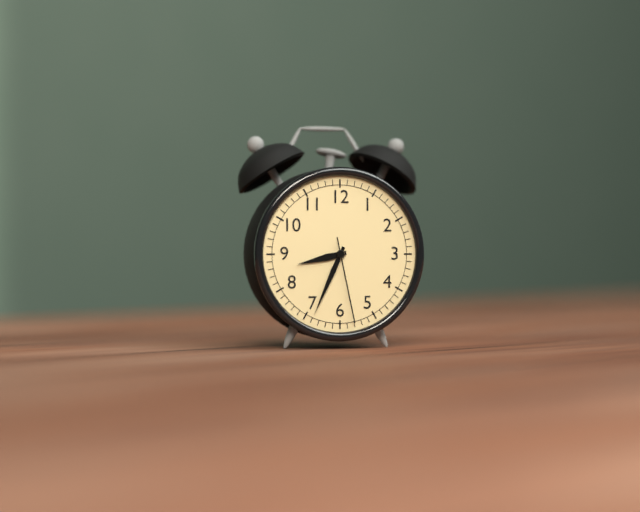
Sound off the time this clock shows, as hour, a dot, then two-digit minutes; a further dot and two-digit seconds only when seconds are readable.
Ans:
8.34.28
